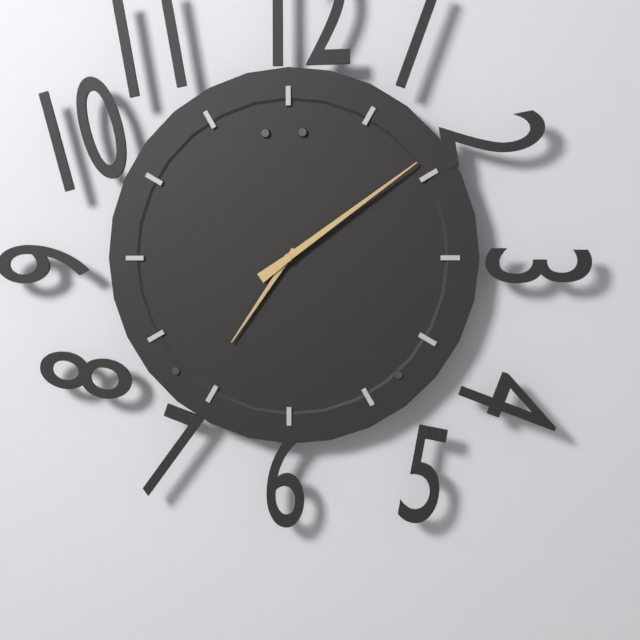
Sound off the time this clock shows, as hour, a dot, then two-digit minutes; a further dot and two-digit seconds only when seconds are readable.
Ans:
7.09
